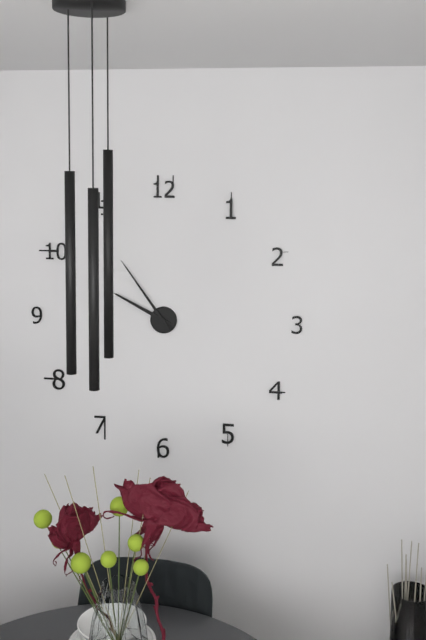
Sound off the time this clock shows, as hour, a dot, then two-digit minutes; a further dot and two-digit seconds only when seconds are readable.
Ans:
9.54
